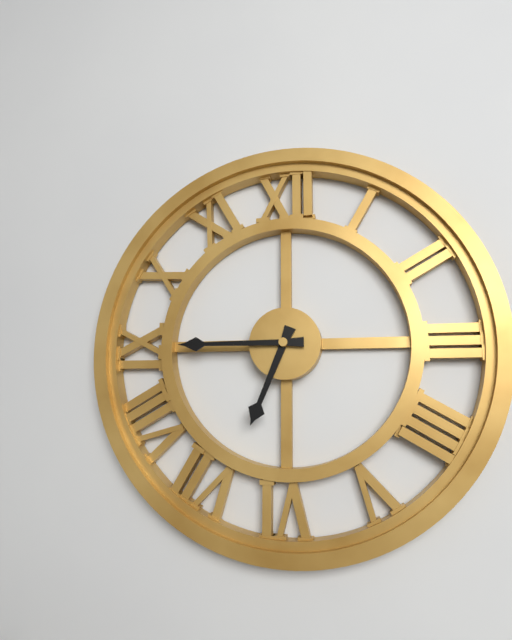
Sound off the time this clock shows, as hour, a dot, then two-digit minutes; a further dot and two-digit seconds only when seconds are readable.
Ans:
6.45
